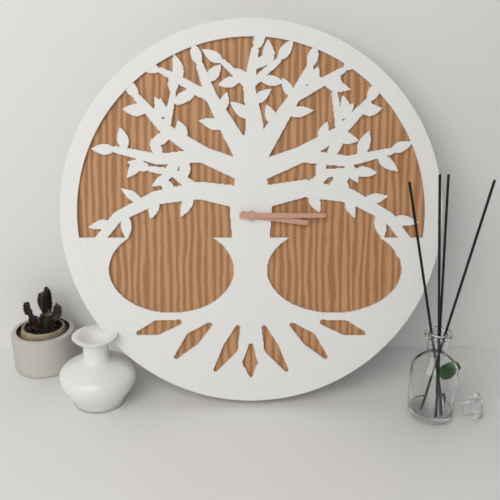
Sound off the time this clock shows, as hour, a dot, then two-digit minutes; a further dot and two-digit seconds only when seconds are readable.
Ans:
3.15
